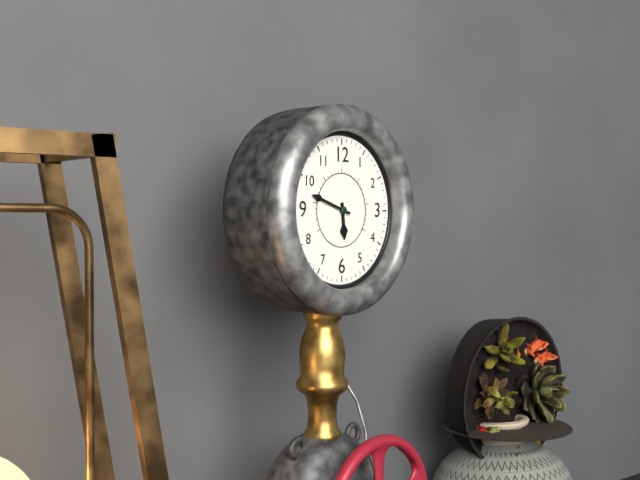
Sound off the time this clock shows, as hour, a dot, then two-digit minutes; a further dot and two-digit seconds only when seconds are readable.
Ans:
5.48
